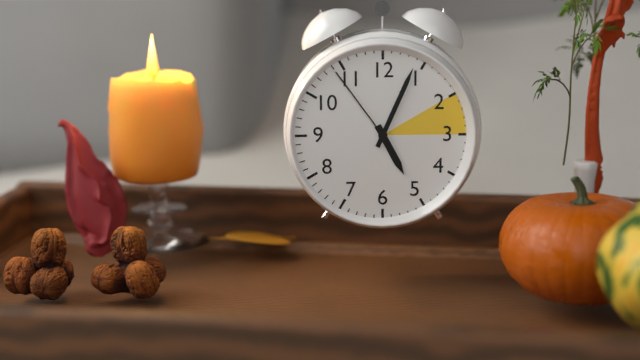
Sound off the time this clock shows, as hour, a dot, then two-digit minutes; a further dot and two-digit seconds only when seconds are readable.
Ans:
5.04.54
